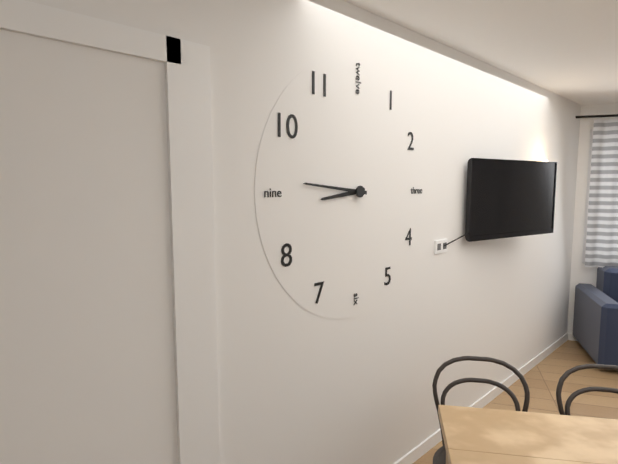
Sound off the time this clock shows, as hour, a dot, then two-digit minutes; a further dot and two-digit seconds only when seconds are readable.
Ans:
8.46
